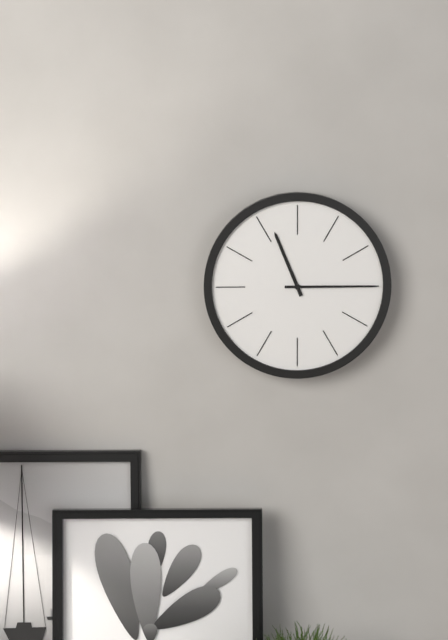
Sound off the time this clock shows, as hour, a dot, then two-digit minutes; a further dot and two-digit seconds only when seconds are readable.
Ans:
11.15
